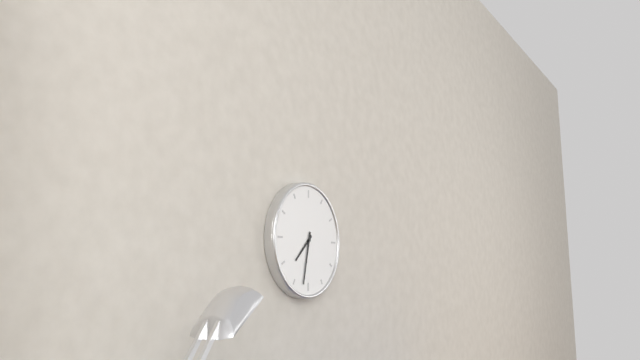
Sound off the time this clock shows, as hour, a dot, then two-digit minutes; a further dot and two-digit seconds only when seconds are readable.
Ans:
7.32
